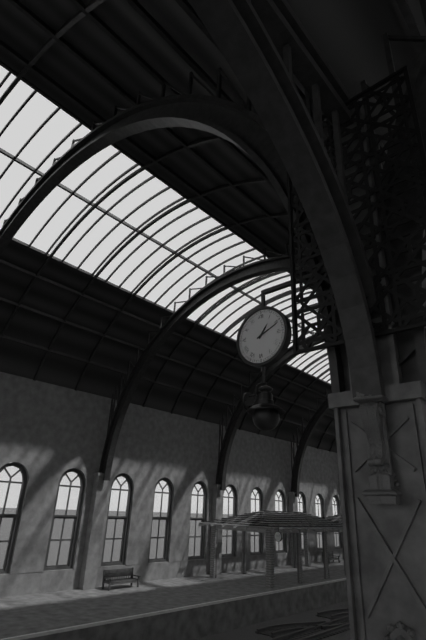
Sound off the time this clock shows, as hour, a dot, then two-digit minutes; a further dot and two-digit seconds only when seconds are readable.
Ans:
1.11
